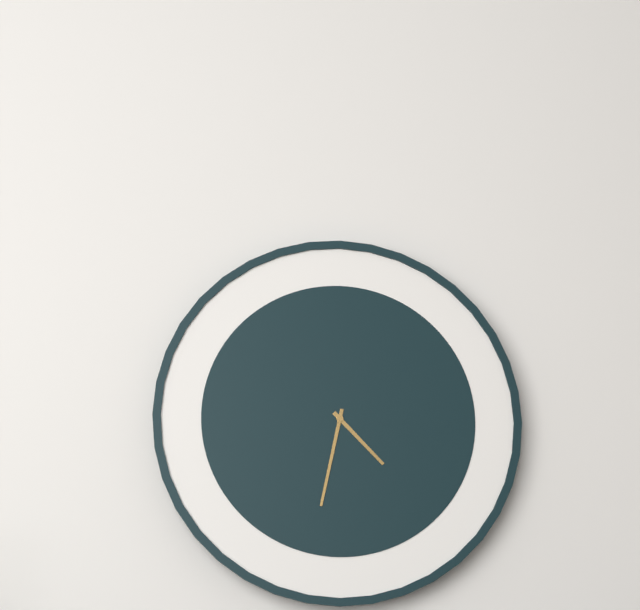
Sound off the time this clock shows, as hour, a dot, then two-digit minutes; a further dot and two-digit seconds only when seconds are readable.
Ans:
4.32
